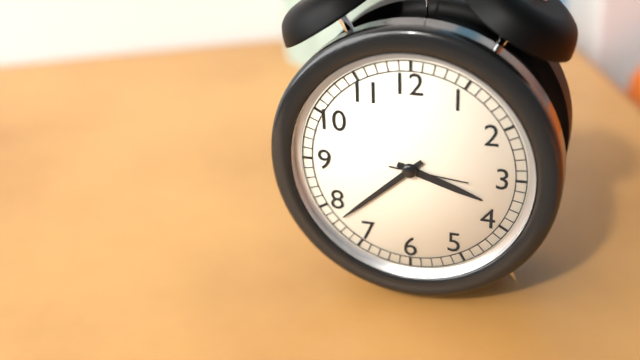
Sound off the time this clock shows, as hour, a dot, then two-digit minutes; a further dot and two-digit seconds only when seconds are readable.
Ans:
3.38.16
